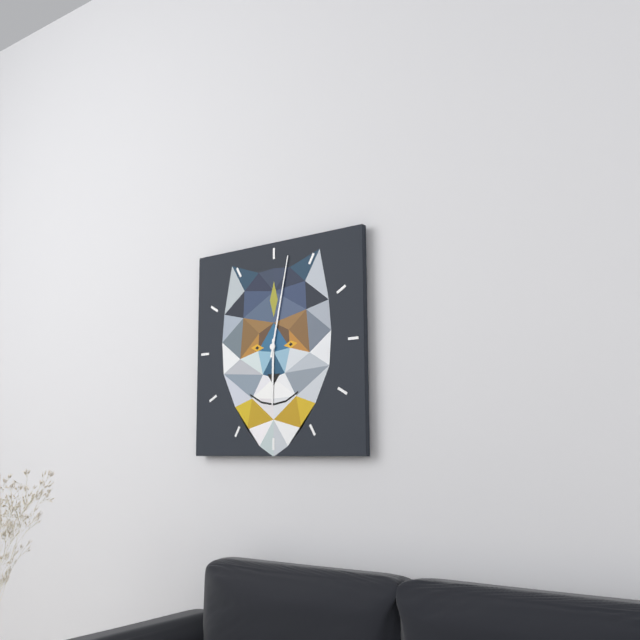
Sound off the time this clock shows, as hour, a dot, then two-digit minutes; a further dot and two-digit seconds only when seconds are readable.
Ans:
6.02
